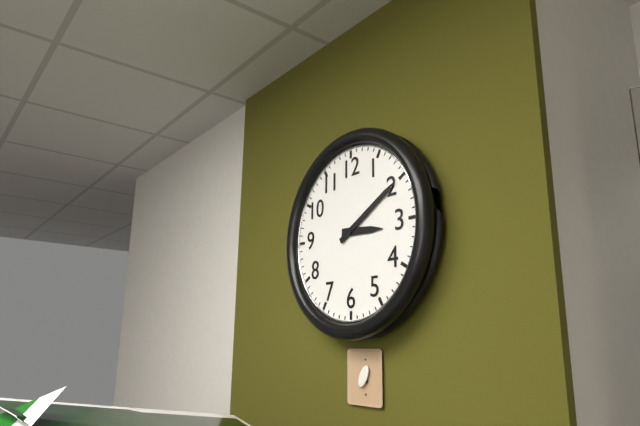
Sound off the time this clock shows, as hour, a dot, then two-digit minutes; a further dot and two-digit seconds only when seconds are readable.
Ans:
3.10
